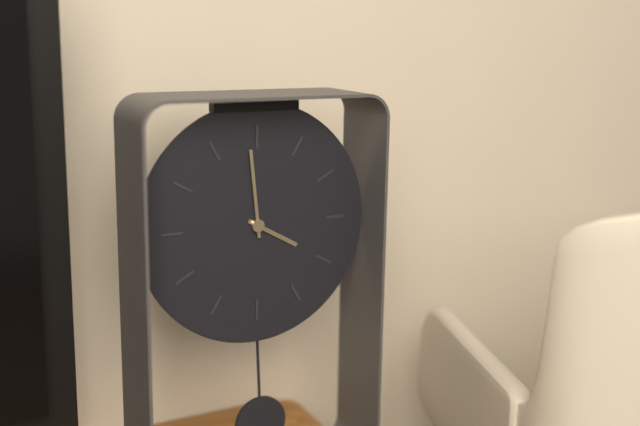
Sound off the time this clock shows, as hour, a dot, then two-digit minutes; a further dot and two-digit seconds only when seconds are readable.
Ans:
3.59
